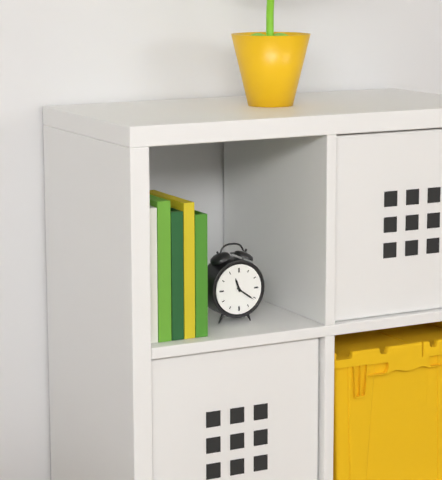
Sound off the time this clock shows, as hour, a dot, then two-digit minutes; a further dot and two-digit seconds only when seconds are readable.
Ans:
11.21
